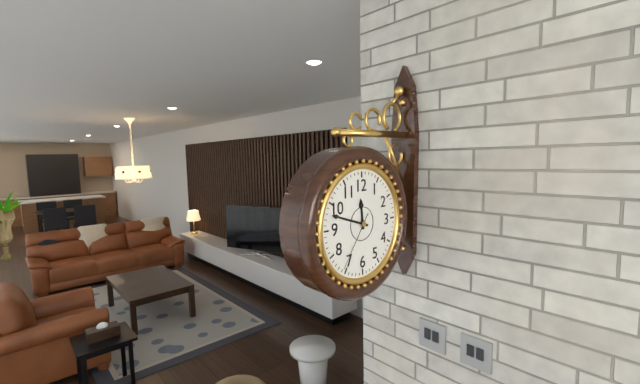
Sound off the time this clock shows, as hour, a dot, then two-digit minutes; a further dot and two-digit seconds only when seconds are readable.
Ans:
11.48.36
